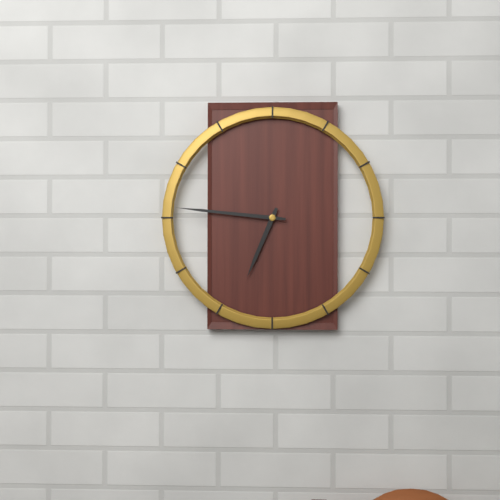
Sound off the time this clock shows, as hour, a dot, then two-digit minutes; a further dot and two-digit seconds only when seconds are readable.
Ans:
6.46
